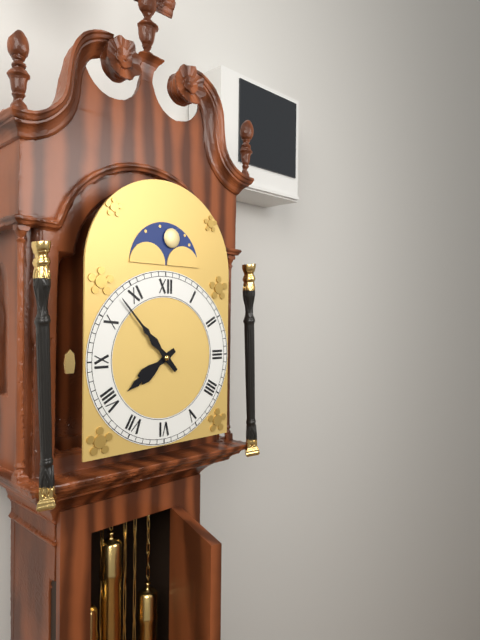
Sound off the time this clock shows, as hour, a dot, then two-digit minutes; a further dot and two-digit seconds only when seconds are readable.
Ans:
7.53
